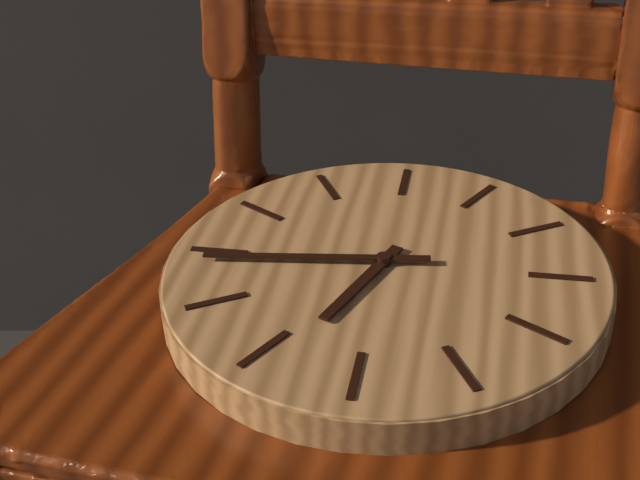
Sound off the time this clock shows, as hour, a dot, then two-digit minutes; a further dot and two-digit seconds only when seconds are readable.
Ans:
6.44
